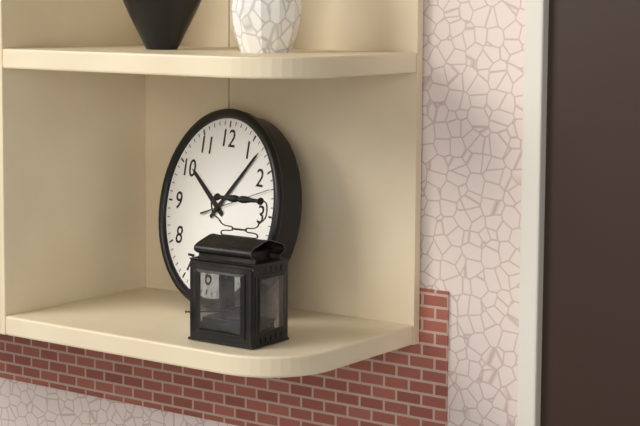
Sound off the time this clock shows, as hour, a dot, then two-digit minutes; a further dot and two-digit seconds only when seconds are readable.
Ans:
10.07
